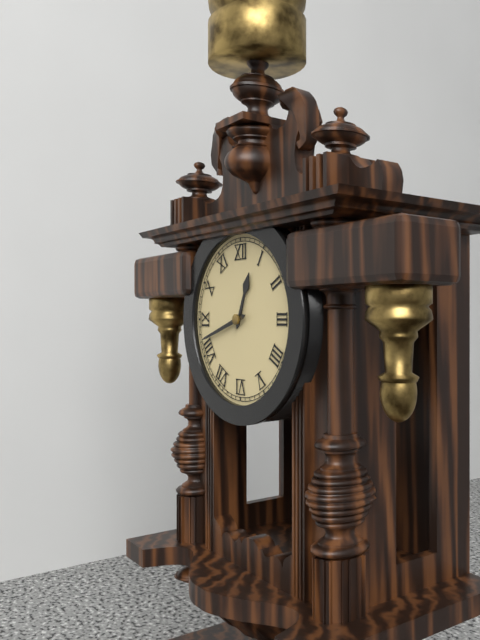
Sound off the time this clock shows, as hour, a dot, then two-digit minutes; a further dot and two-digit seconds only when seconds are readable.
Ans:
12.42
